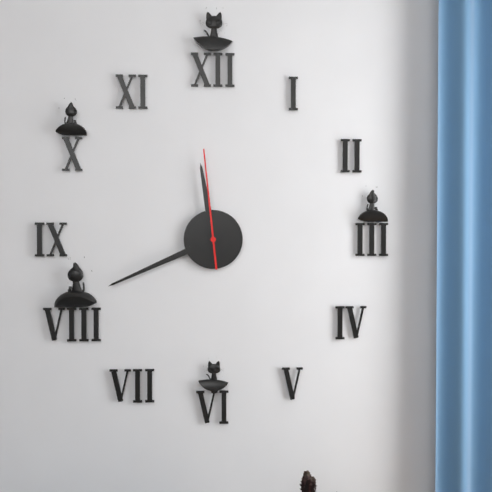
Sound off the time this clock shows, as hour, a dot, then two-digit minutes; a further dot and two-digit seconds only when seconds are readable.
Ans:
11.41.59
